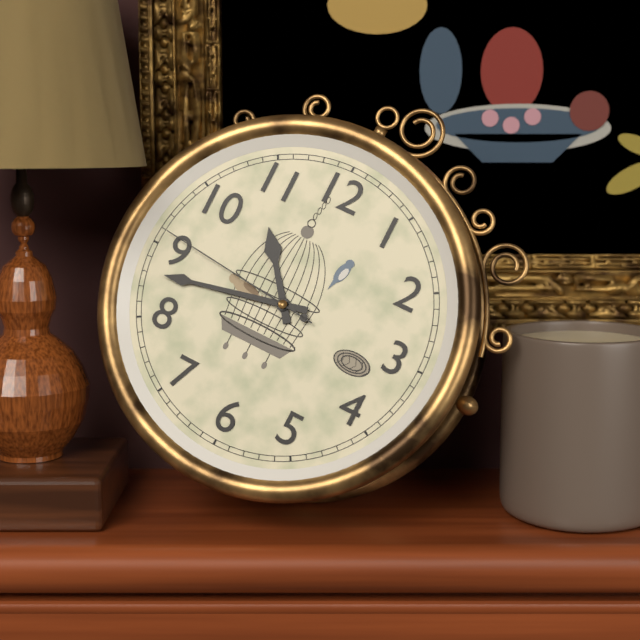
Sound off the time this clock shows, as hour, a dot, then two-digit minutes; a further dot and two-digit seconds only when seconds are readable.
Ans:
10.43.46
